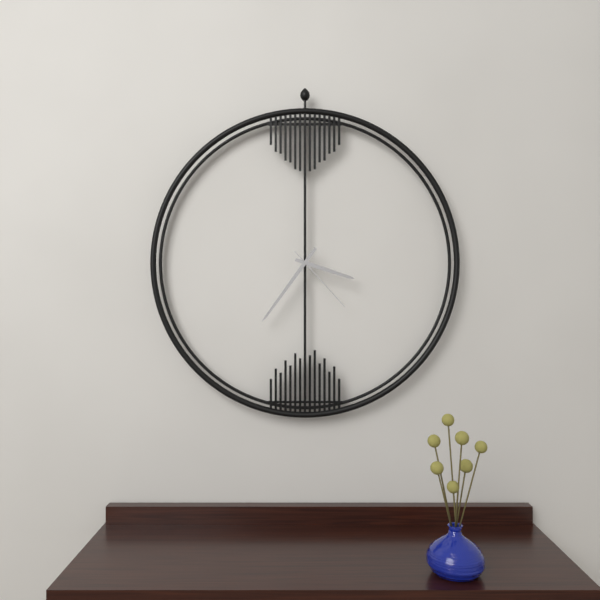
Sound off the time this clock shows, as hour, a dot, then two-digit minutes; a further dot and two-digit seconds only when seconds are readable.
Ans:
3.36.23
